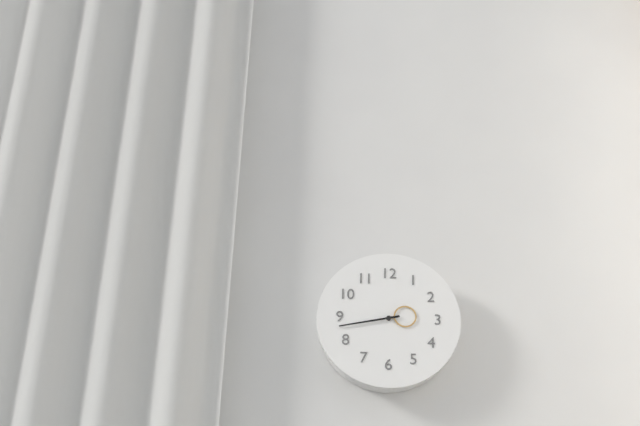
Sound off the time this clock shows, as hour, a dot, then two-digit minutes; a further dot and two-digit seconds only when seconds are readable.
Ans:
2.43
